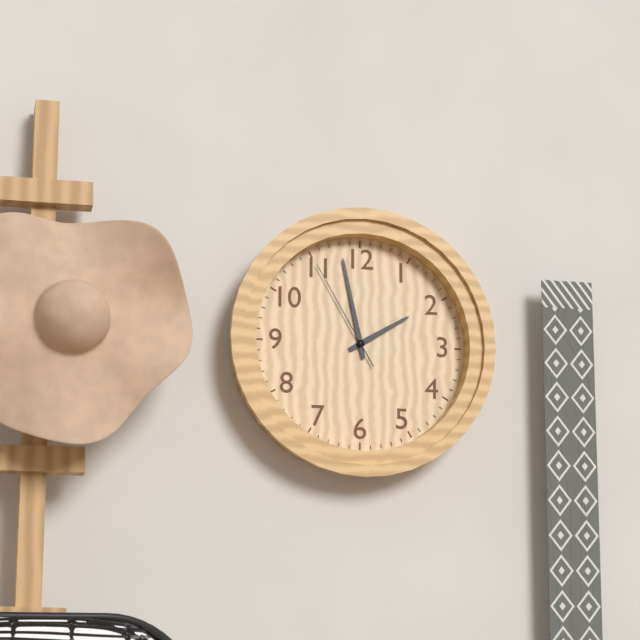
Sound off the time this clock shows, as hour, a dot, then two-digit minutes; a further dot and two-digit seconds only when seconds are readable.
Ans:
1.58.55
